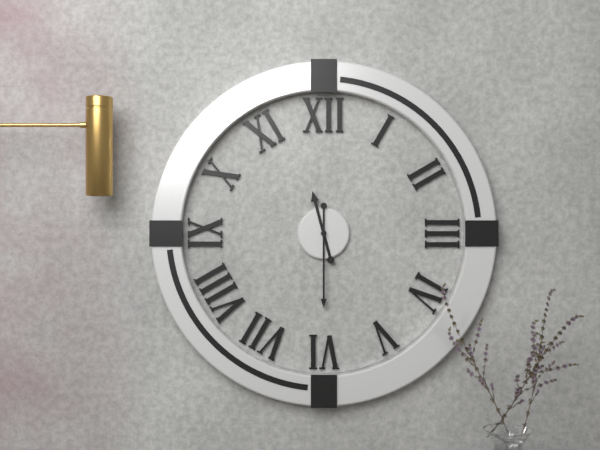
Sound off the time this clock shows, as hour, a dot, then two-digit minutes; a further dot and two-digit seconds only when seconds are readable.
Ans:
11.30
